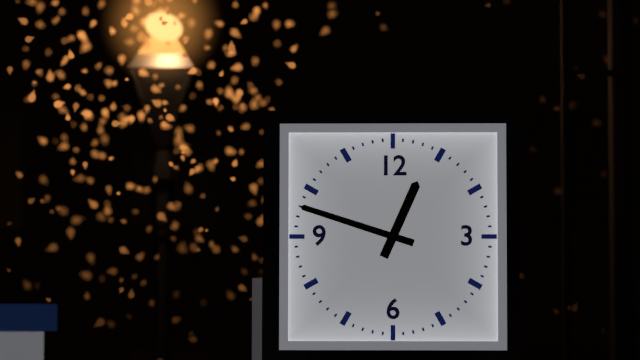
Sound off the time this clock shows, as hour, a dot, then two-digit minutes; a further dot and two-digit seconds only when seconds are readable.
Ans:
12.48
